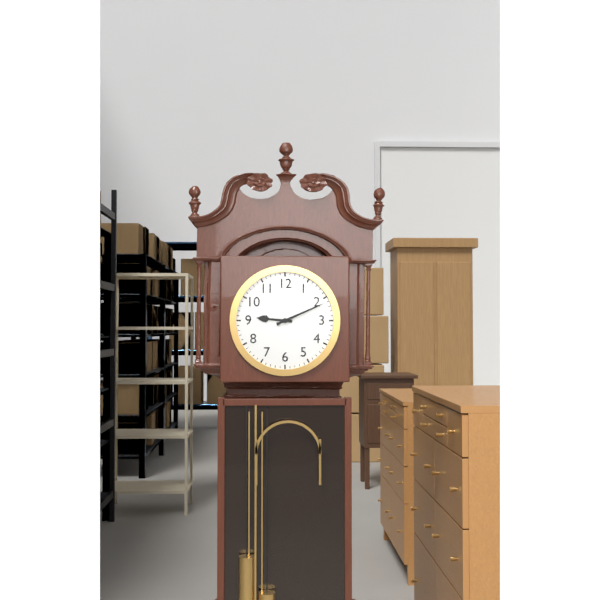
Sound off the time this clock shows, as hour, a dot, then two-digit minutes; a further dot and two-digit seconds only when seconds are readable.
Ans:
9.11
